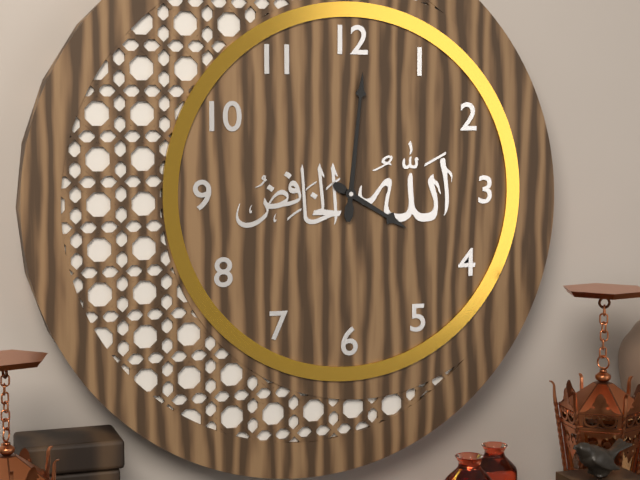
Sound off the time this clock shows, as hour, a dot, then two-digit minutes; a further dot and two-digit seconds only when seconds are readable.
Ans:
4.01
